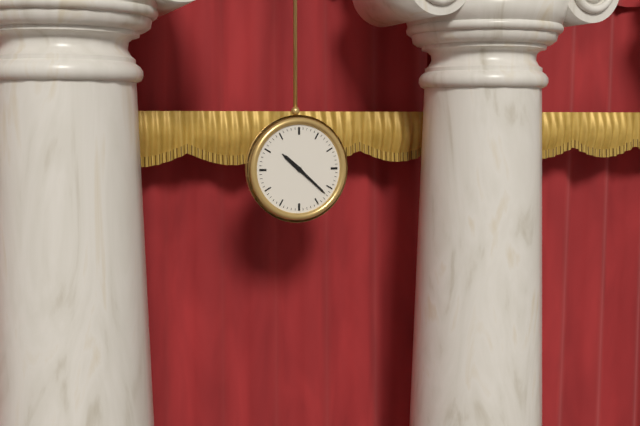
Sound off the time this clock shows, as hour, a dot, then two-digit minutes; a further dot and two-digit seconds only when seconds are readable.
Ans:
10.22
